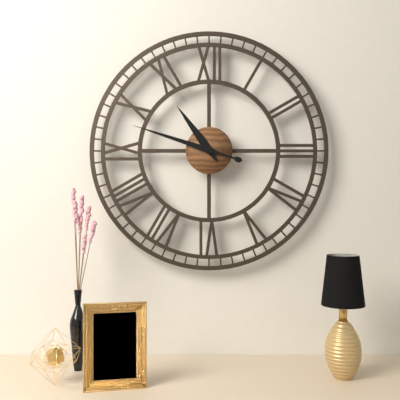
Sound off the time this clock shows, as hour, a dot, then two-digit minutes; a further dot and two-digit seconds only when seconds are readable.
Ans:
10.48
